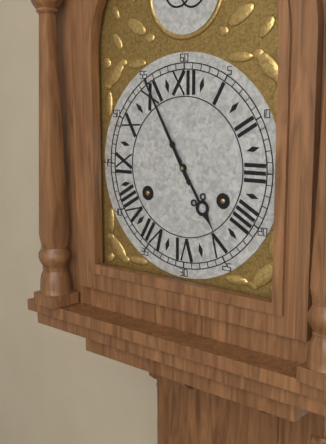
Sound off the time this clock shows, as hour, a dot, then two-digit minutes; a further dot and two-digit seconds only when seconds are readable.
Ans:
4.55
